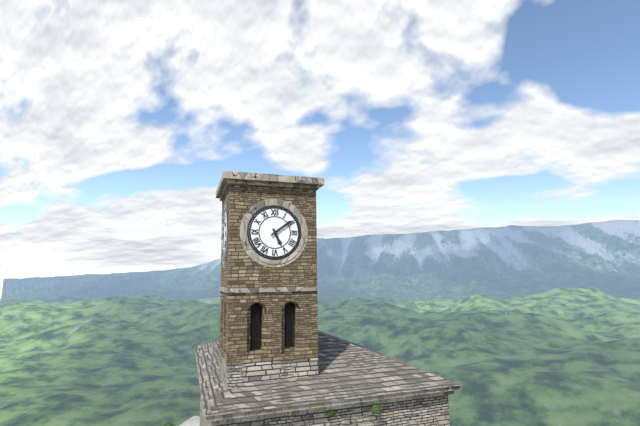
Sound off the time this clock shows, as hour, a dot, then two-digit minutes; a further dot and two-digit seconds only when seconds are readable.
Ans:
5.09
